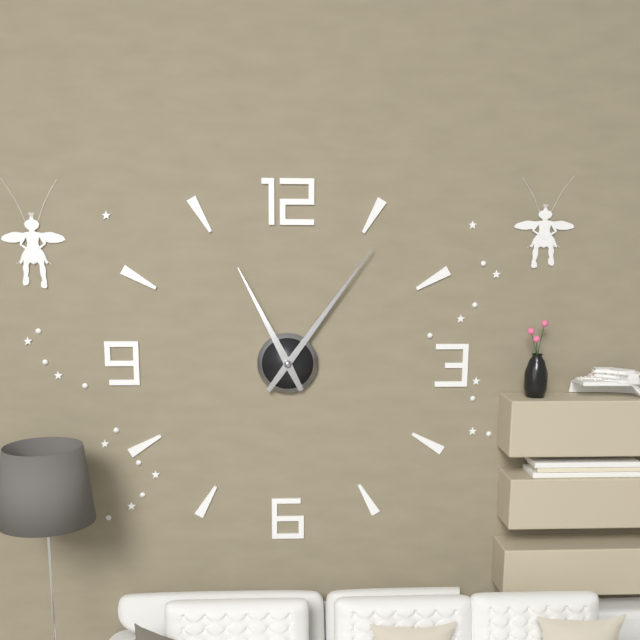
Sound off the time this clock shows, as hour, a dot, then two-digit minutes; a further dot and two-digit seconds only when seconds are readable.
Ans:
11.06
